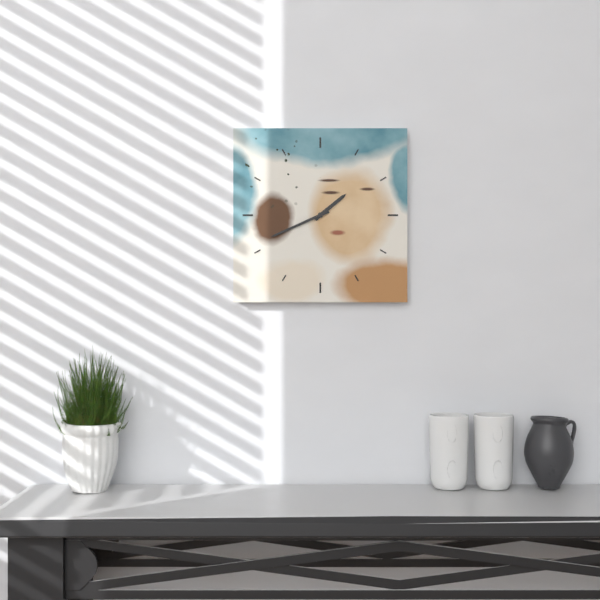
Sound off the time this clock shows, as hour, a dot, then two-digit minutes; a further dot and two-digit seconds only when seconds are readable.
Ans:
1.41
